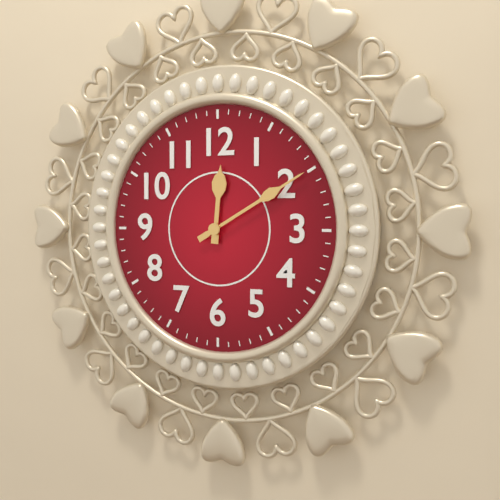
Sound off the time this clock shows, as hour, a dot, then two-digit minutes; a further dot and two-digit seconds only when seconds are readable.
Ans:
12.10
